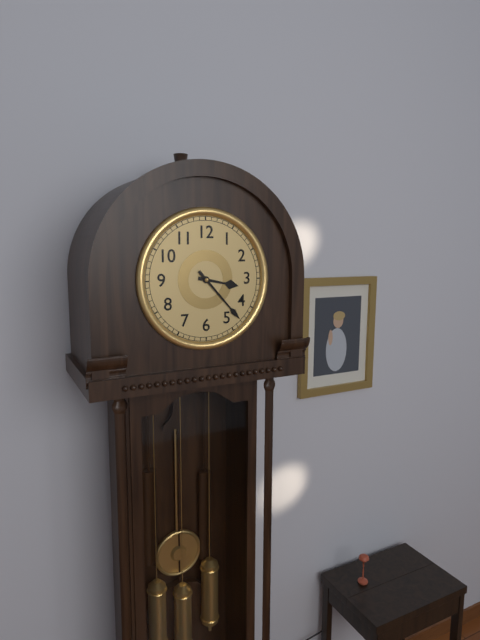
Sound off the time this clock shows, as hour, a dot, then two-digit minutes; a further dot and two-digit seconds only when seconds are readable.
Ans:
3.23
